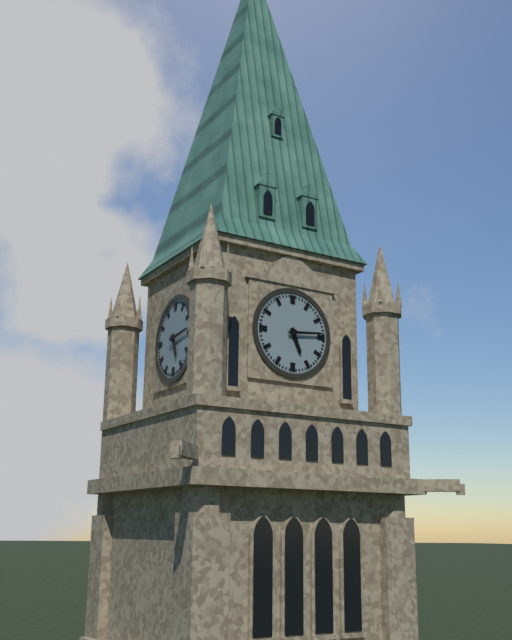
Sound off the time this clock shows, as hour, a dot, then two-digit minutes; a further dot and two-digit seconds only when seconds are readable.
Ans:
5.14
